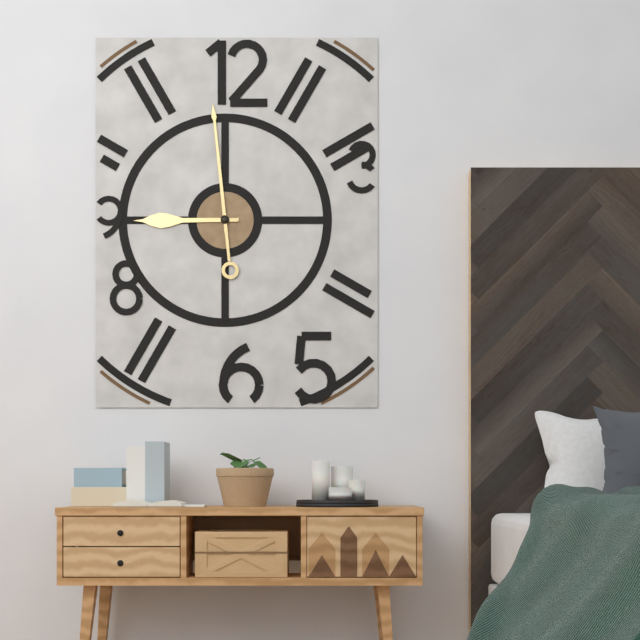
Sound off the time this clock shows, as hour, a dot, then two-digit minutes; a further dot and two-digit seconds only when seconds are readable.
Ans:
8.59
